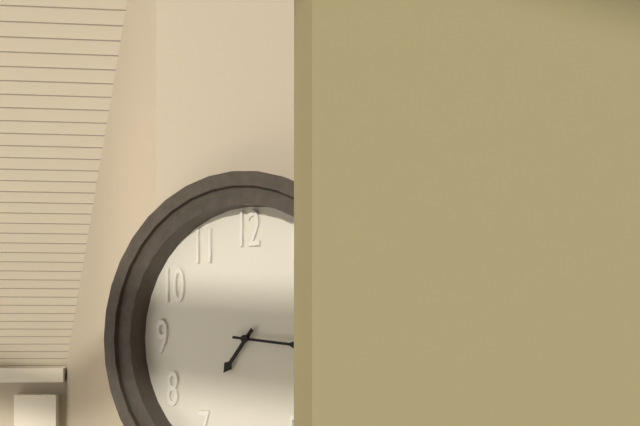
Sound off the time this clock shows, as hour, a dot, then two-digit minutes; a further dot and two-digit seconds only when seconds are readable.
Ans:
7.16
